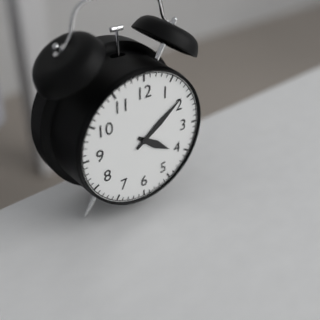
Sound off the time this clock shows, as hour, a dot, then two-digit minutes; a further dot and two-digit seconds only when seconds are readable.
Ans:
4.09
